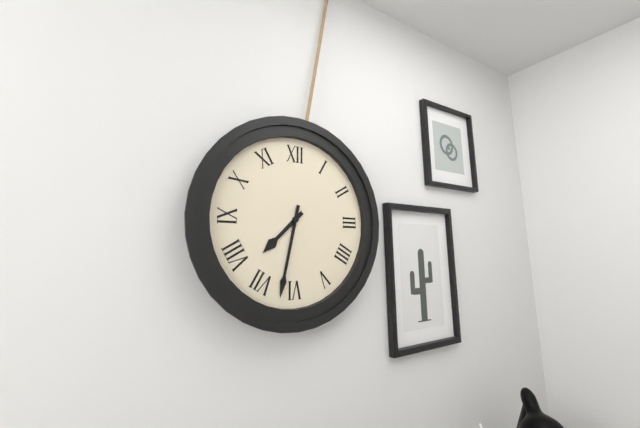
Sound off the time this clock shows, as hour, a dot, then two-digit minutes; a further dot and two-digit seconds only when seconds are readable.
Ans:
7.32
